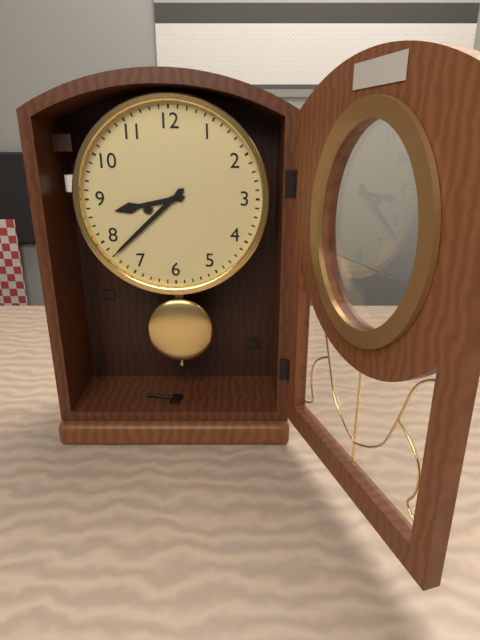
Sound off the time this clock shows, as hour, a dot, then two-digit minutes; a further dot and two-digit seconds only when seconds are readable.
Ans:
8.38
